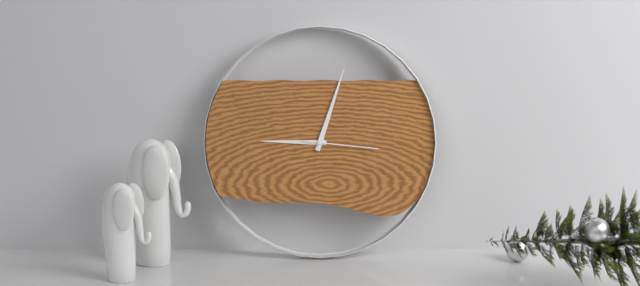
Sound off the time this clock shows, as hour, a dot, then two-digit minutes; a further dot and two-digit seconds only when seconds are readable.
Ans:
9.03.16
